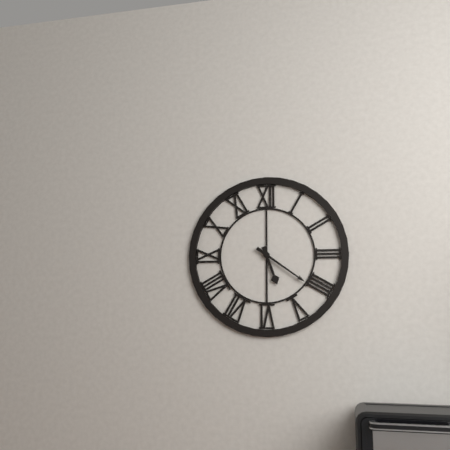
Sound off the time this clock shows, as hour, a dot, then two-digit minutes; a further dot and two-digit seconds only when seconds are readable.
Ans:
5.21
